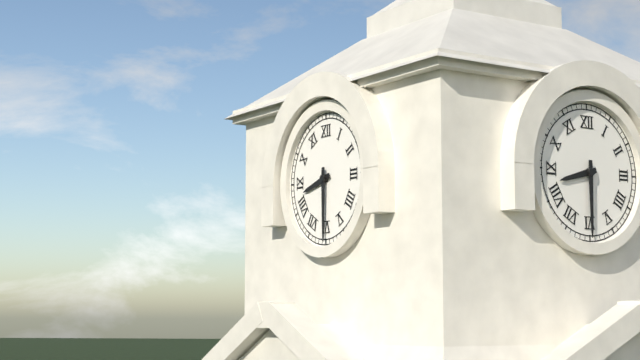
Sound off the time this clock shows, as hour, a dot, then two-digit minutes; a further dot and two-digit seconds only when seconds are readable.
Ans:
8.30
